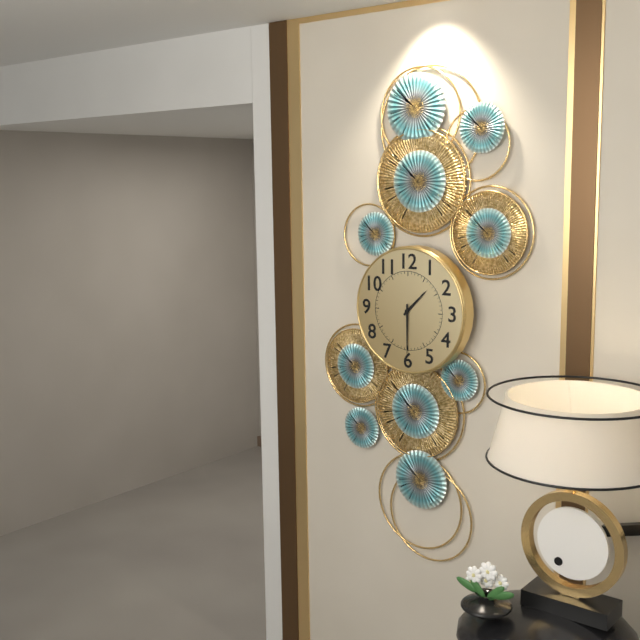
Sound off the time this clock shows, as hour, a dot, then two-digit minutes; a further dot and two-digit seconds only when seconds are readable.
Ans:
1.30
